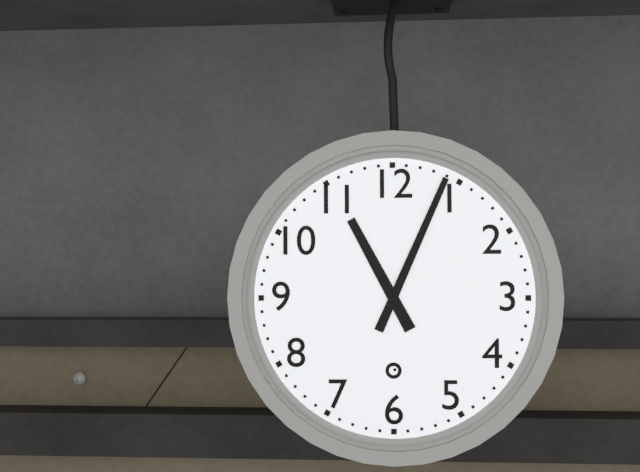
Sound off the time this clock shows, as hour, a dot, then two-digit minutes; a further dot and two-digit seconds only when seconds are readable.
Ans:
11.04
